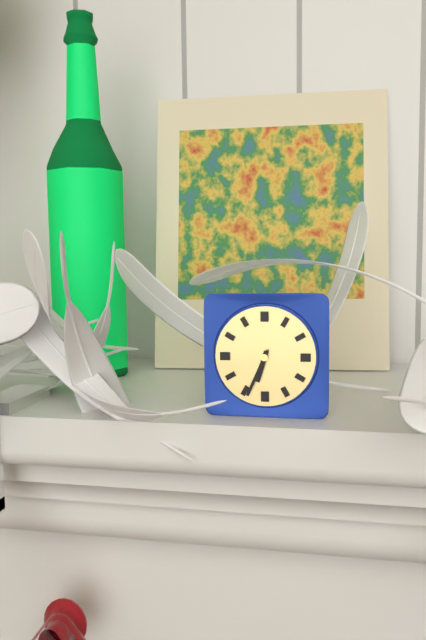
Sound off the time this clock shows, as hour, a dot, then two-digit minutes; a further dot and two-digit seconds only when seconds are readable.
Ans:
6.34
